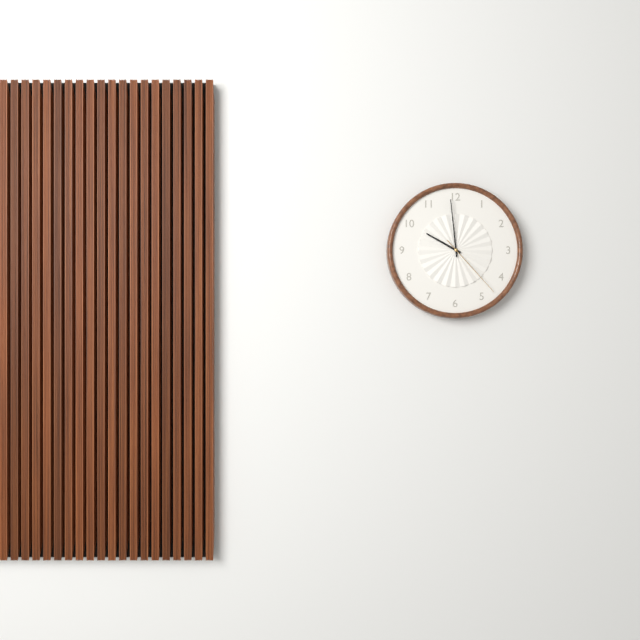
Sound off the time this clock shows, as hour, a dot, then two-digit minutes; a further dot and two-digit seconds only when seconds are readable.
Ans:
9.59.23
